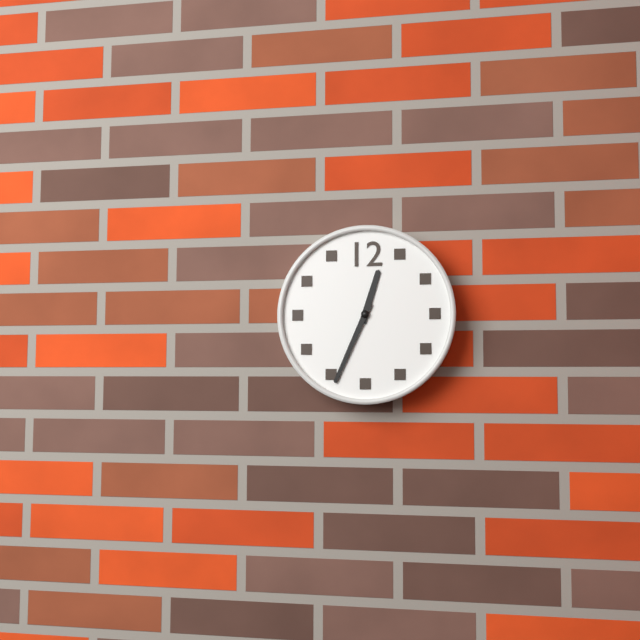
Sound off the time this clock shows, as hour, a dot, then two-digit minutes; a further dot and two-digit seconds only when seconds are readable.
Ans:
12.34
